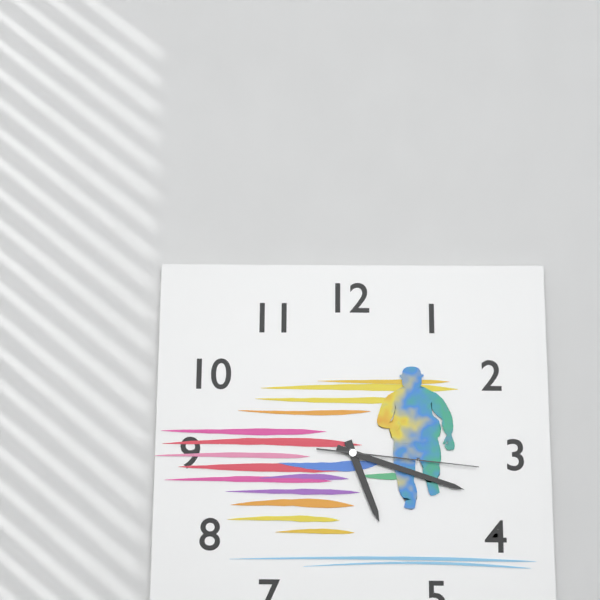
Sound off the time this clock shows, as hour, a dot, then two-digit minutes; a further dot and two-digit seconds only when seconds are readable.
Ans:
5.18.16
